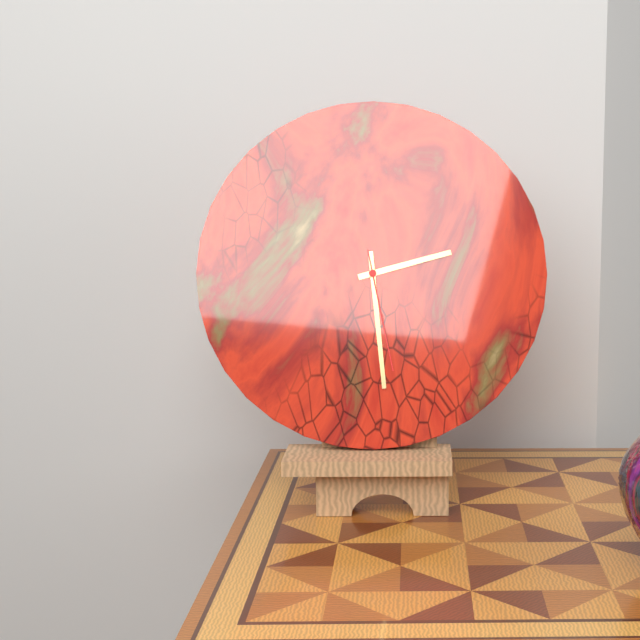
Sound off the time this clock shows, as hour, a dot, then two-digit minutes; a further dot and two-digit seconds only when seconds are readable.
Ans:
2.29.28
